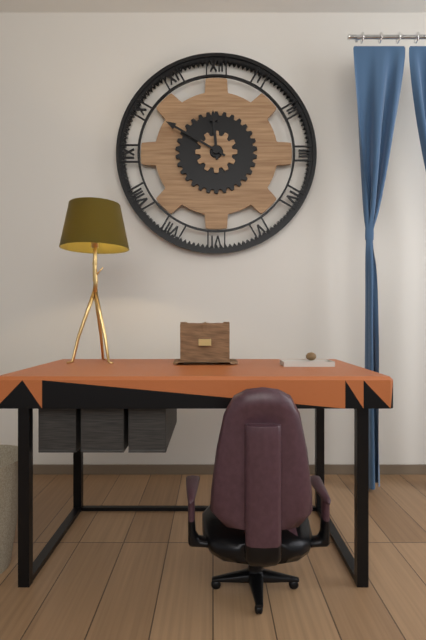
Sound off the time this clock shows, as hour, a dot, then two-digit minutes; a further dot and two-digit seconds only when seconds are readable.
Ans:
11.50
